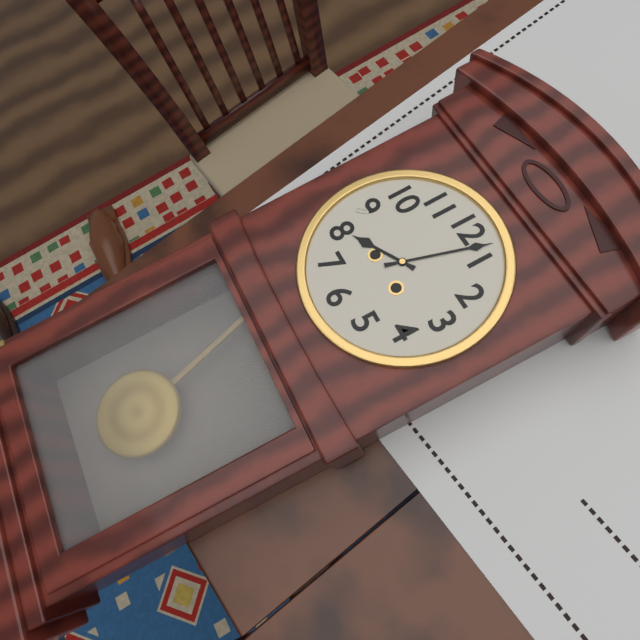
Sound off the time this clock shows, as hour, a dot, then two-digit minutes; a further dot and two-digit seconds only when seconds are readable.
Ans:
8.03
